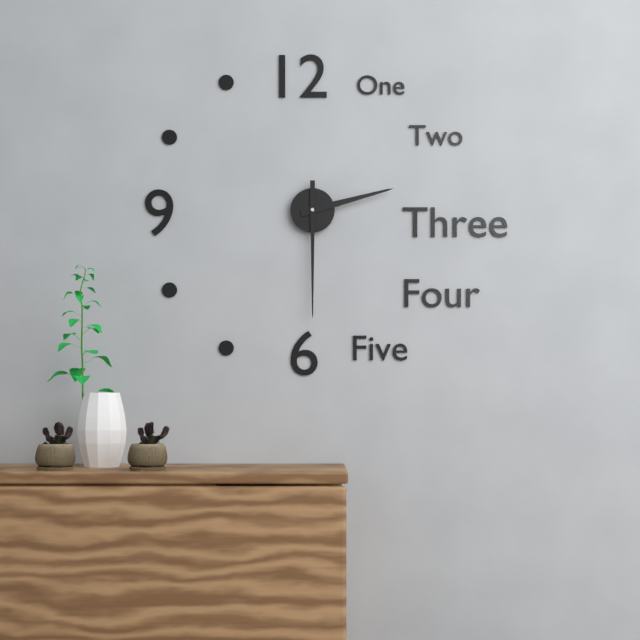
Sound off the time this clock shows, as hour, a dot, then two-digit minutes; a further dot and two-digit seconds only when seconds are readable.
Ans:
2.30
